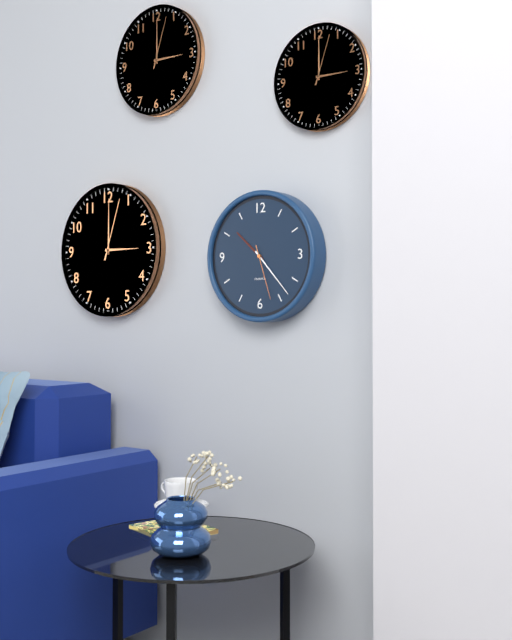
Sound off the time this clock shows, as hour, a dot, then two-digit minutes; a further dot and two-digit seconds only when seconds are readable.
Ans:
10.23.27
